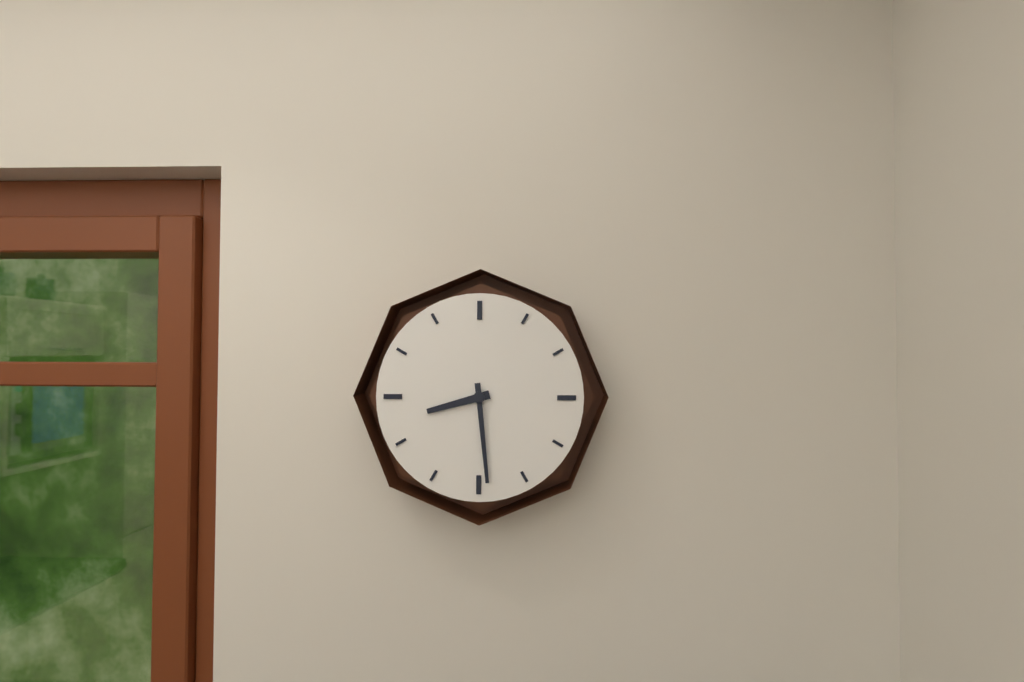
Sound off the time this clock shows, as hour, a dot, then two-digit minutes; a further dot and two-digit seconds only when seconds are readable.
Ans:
8.29
